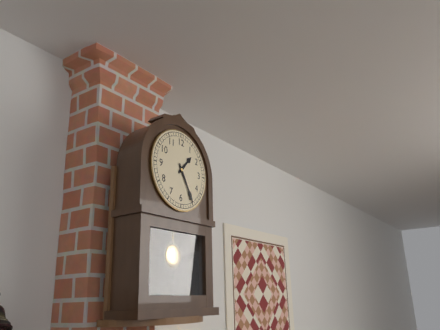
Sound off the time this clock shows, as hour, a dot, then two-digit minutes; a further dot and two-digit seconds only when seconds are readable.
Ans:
1.25
